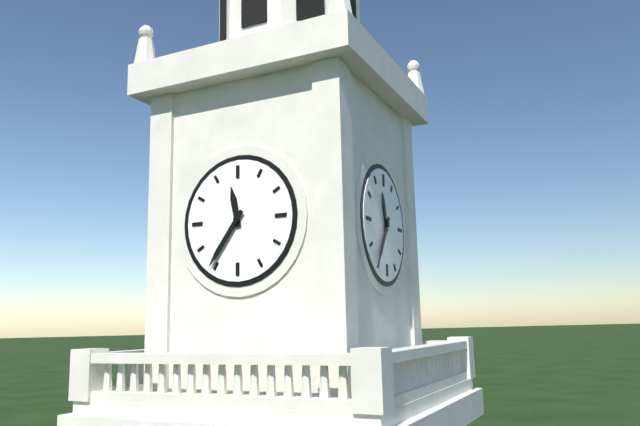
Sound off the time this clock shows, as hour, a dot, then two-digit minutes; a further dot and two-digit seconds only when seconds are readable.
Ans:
11.36
